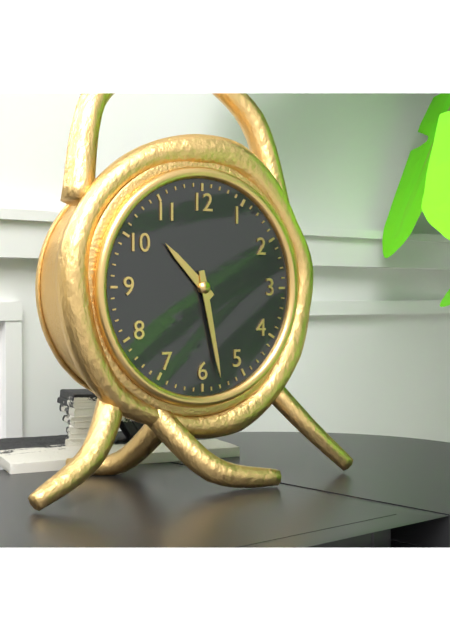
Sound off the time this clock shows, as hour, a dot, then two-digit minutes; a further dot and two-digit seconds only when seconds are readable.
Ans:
10.28
